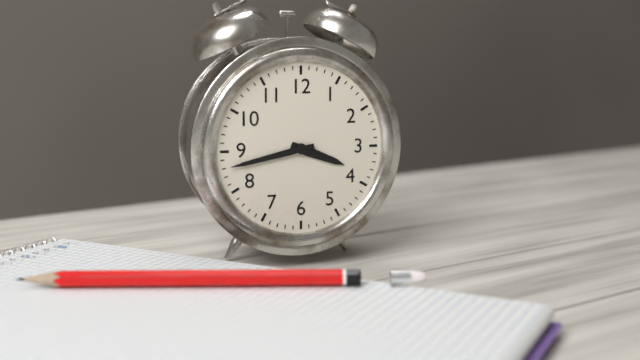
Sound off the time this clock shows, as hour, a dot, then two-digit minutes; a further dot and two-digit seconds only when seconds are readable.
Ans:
3.43
